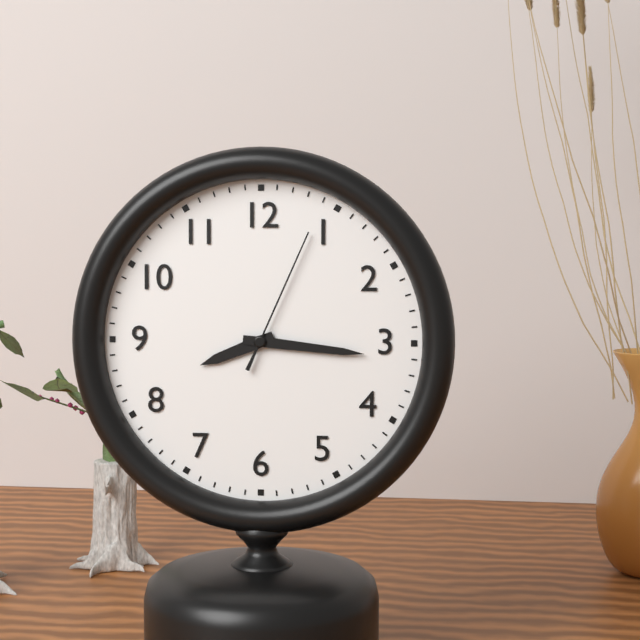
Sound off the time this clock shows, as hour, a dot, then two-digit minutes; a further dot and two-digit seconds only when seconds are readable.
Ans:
8.16.04
